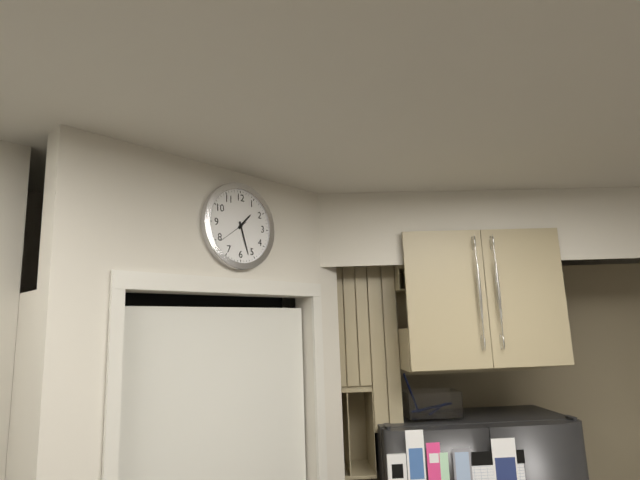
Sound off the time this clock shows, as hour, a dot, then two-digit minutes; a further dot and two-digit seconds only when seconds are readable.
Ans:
1.27
